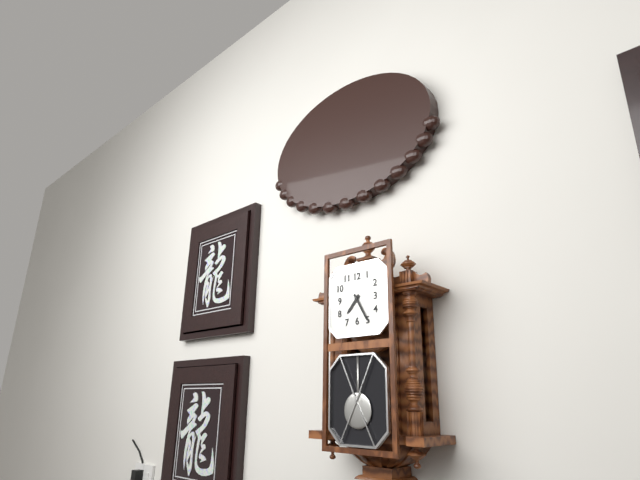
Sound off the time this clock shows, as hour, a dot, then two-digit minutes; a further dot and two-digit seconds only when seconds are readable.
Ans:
7.25
